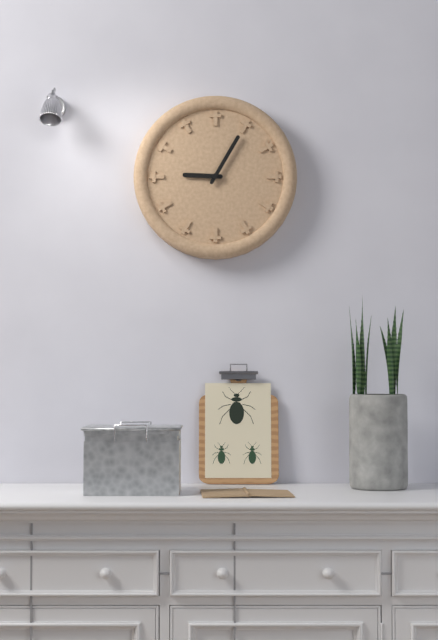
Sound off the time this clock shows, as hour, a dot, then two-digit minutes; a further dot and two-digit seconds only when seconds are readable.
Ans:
9.05
